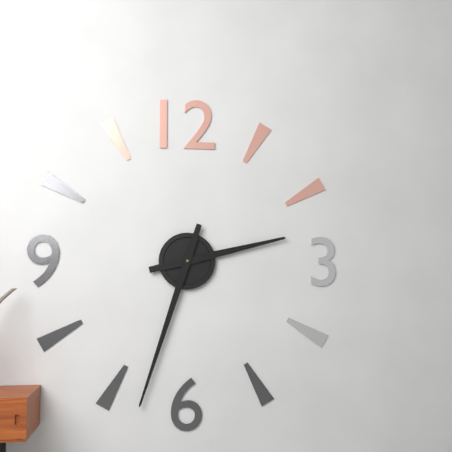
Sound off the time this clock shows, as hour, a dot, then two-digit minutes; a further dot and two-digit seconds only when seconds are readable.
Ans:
2.33
